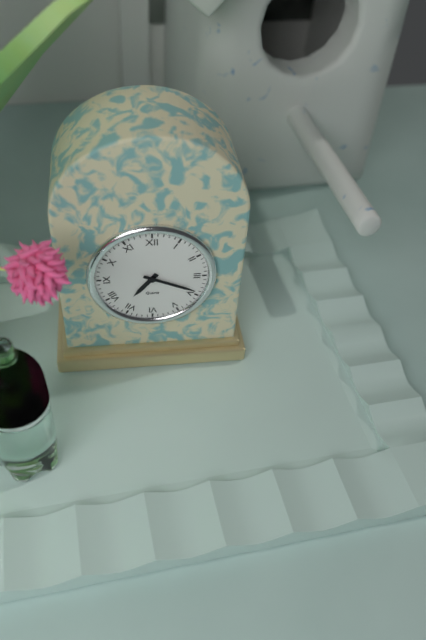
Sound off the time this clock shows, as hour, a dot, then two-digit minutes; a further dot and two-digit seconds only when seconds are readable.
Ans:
7.19
